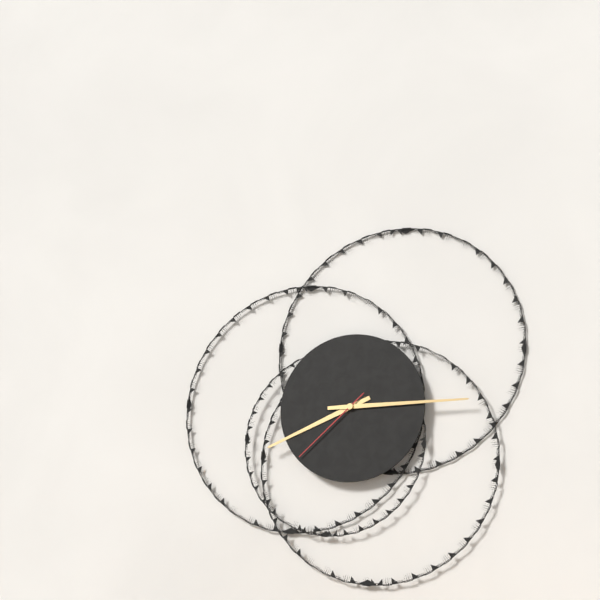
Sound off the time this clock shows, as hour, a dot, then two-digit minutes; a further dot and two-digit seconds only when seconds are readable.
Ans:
8.15.38
